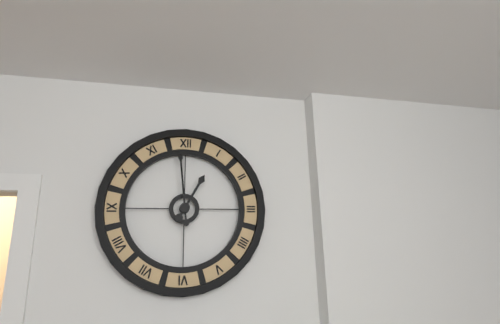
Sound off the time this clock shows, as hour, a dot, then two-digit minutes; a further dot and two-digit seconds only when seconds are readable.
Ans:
12.59
